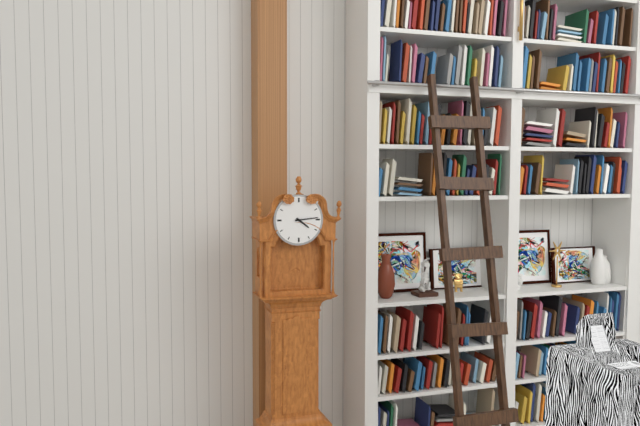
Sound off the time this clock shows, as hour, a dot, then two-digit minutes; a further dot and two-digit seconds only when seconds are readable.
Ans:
4.14
